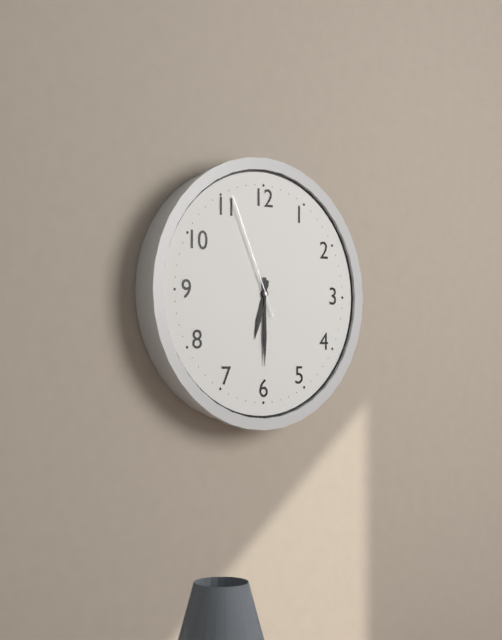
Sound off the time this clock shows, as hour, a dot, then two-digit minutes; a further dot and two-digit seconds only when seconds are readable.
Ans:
6.30.56
